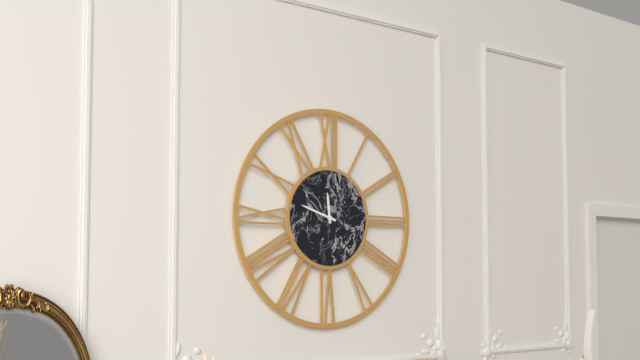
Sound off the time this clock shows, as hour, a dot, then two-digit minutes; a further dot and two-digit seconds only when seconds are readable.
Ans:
11.48
